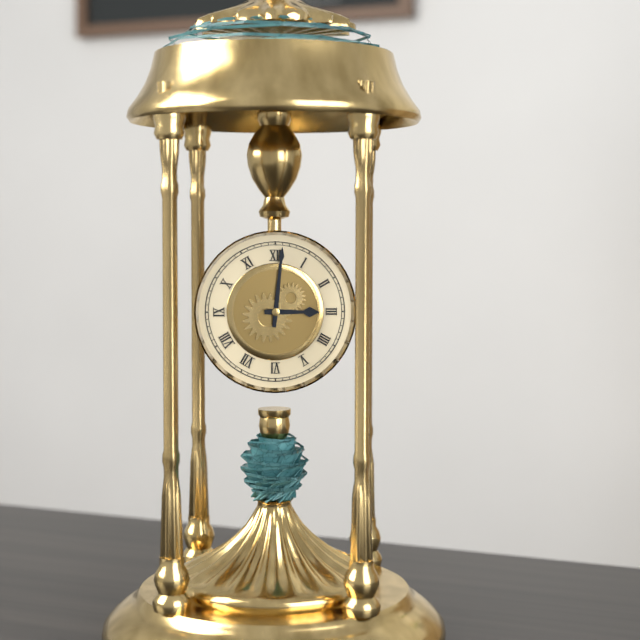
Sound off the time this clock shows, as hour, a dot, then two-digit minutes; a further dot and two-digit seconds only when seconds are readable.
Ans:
3.01
